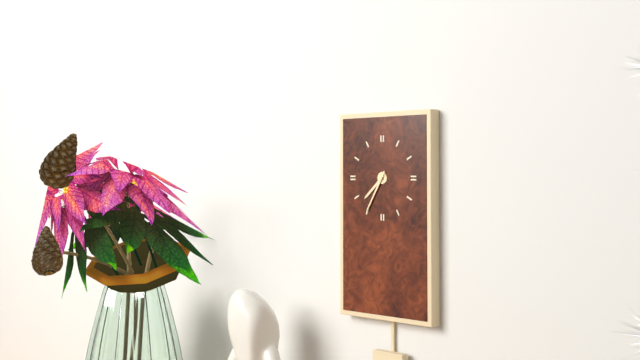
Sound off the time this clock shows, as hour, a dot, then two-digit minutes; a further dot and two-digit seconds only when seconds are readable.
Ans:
7.35
